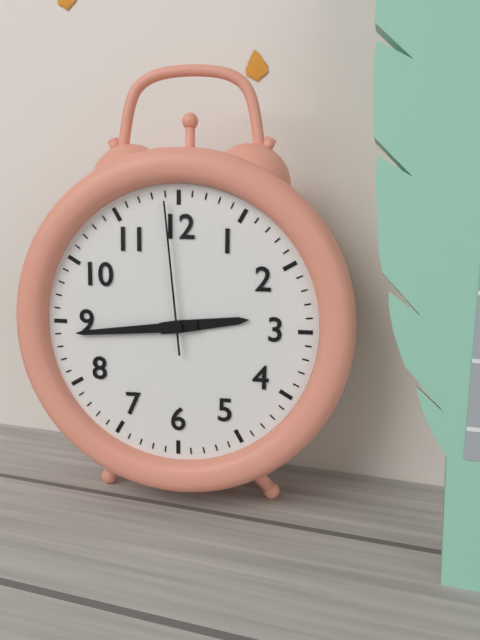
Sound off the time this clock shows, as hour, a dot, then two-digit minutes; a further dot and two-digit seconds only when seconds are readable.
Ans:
2.44.59
